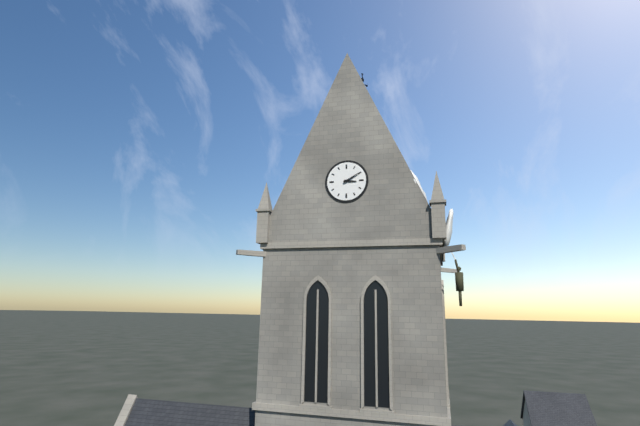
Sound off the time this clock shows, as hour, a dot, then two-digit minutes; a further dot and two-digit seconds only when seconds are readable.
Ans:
3.10
